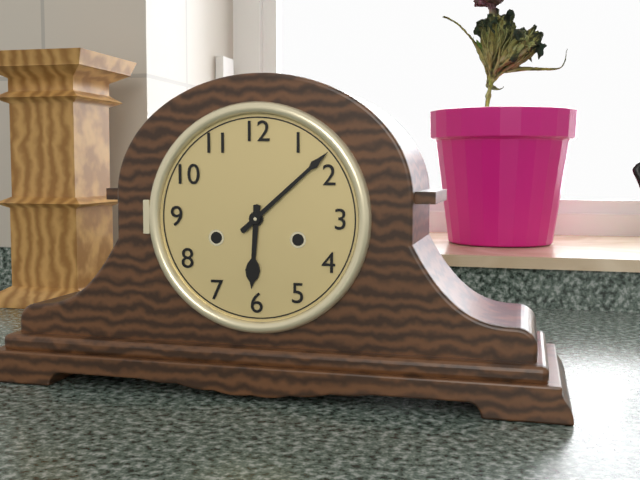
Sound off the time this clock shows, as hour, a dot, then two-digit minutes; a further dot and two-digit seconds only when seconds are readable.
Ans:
6.08
